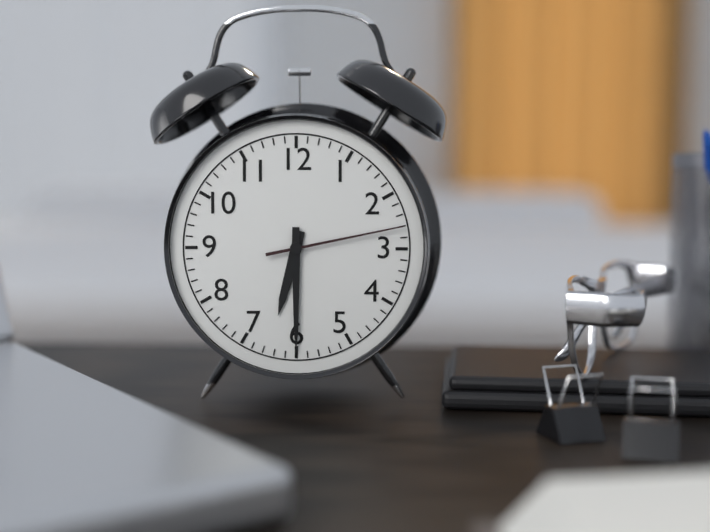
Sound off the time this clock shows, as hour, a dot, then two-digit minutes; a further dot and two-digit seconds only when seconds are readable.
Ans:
6.30.13
